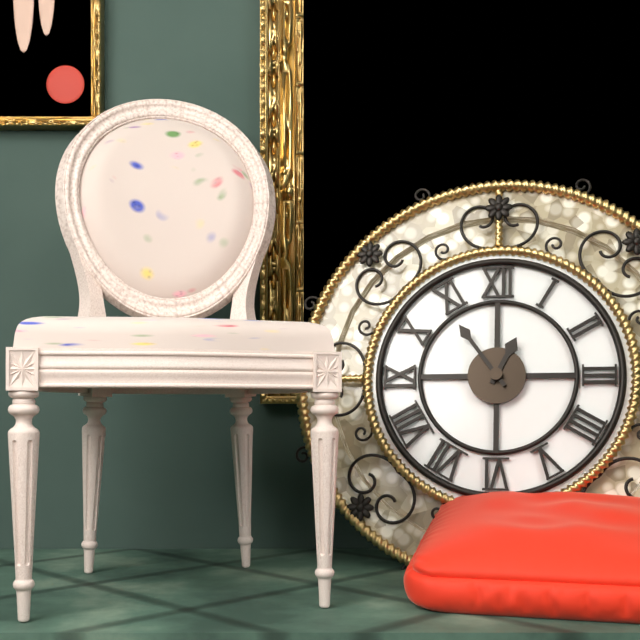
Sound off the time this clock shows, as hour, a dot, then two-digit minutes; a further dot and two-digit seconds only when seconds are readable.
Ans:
12.54
